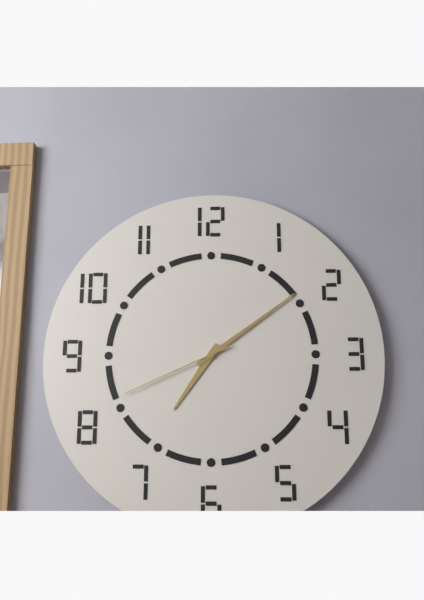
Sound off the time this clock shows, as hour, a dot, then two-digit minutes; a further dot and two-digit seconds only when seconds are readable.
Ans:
7.09.41
